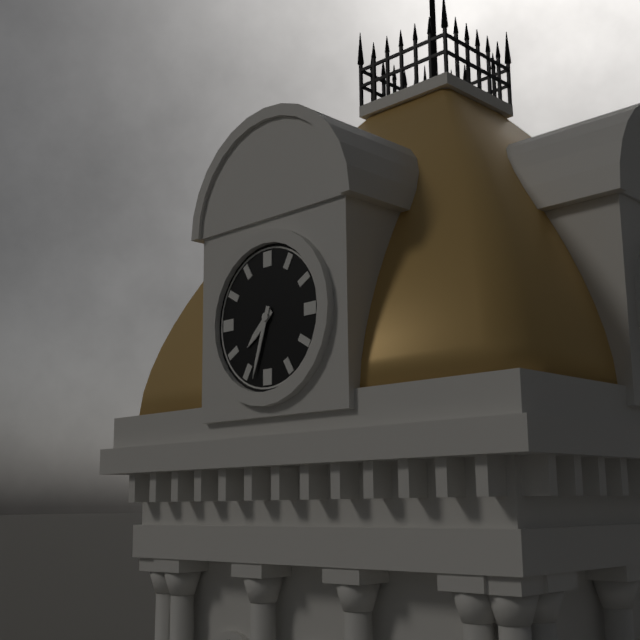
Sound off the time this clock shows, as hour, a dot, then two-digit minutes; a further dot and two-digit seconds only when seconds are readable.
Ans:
7.33
